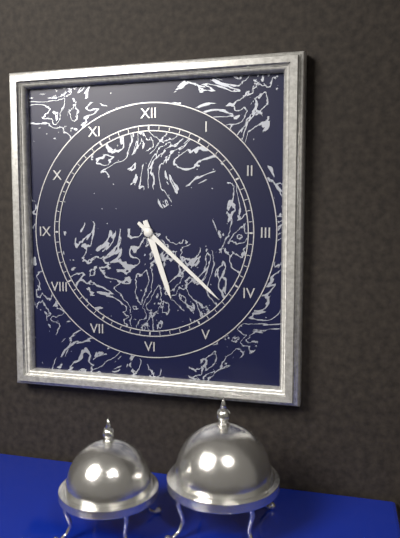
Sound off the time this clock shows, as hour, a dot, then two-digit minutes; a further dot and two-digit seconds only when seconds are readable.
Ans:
5.22
